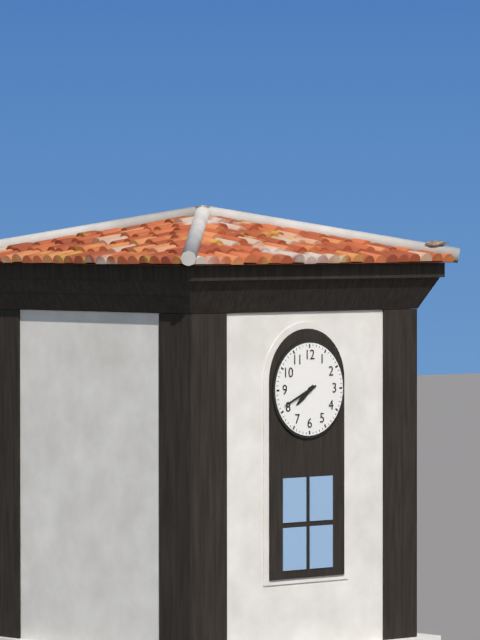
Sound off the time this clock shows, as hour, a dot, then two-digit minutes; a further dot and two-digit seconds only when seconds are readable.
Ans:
7.41
